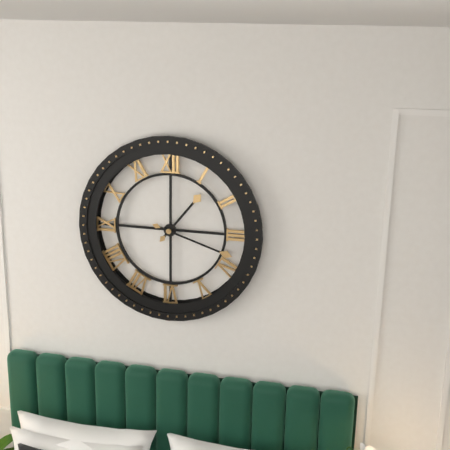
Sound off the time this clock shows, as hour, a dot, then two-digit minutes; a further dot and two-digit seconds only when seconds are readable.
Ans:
1.18
